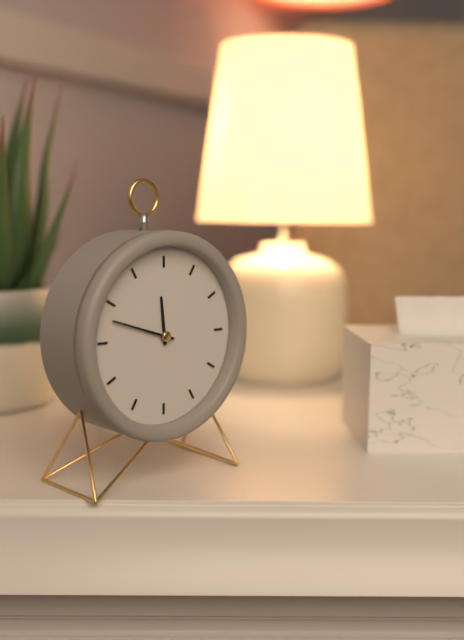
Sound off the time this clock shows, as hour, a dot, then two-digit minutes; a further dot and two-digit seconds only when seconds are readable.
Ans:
11.48
